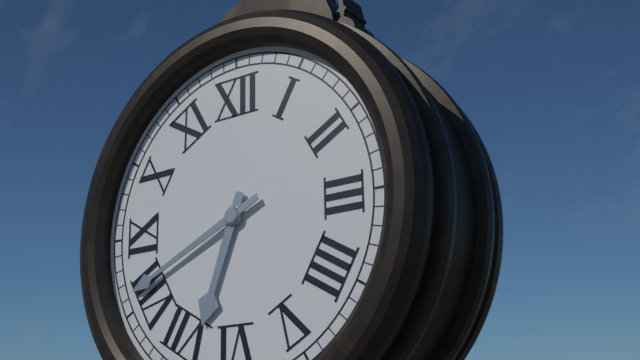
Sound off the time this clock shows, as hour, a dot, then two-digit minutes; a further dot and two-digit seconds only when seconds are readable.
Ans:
6.41
